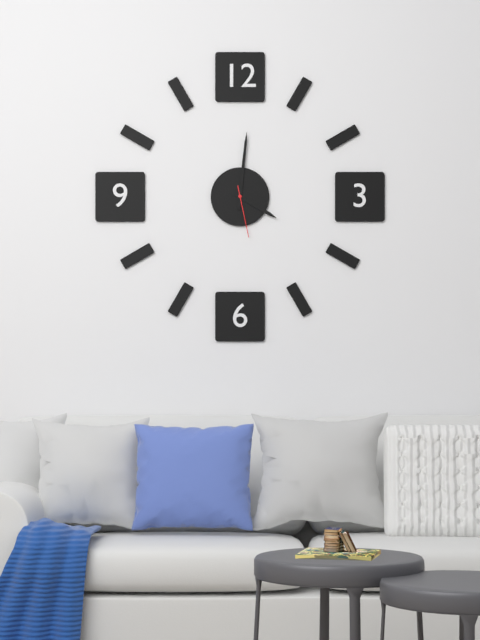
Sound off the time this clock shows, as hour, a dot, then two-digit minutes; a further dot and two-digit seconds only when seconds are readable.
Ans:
4.01.28
